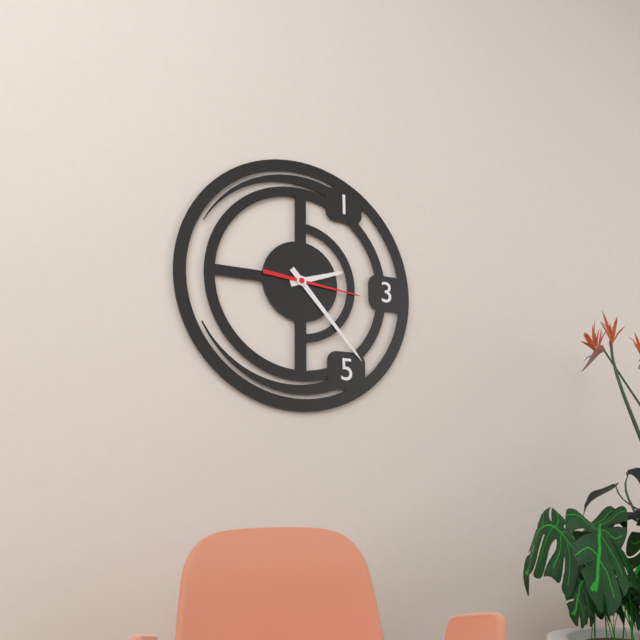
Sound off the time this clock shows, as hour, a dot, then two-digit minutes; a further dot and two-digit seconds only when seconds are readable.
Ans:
2.23.16
